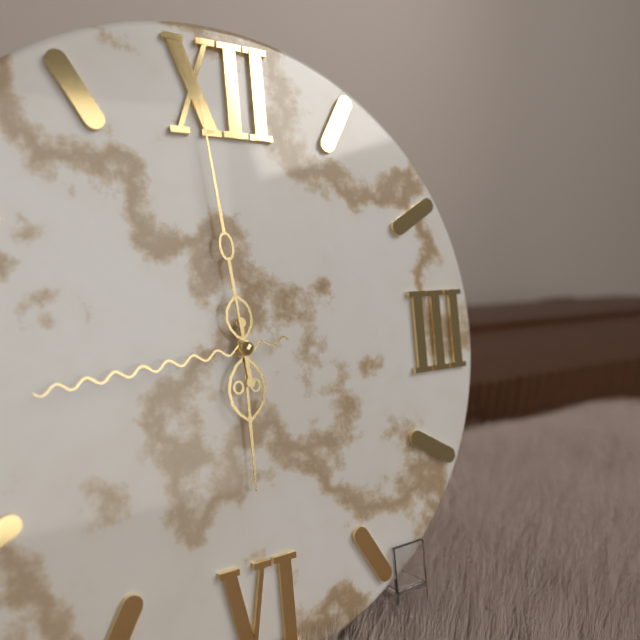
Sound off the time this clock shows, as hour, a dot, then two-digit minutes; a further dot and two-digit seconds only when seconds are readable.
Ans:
5.59.44
